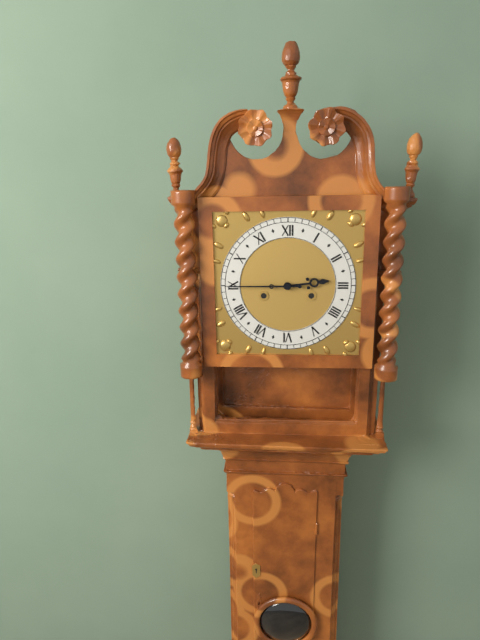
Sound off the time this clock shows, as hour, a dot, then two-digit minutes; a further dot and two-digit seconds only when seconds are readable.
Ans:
2.45
